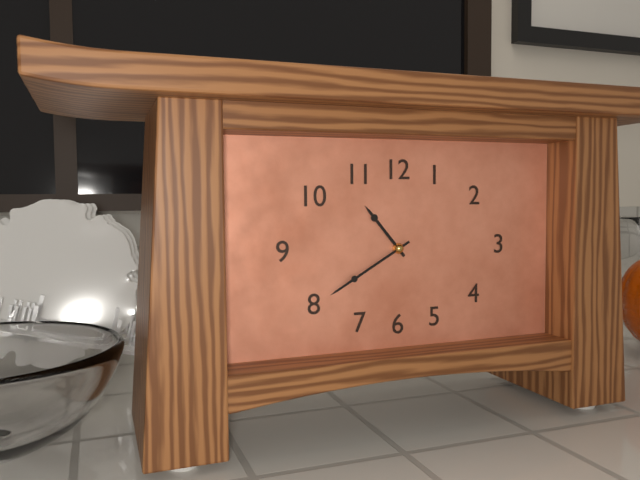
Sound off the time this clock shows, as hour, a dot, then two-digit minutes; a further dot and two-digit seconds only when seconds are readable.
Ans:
10.40
